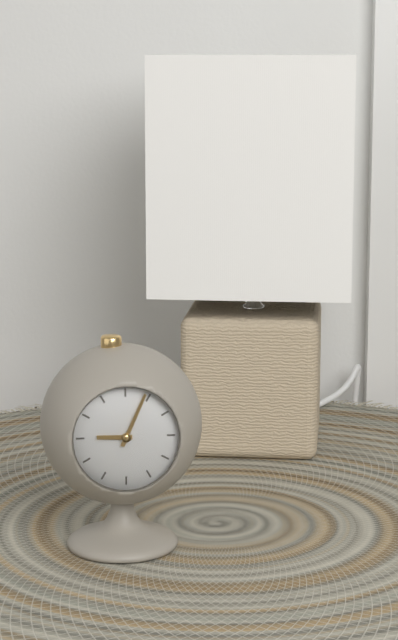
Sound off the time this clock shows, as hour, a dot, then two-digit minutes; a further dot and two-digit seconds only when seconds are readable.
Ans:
9.04
